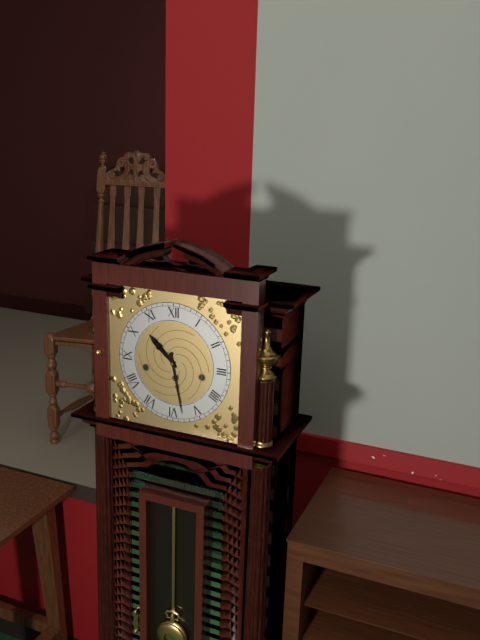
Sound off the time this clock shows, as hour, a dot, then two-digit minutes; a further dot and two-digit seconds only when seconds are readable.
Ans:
10.28
